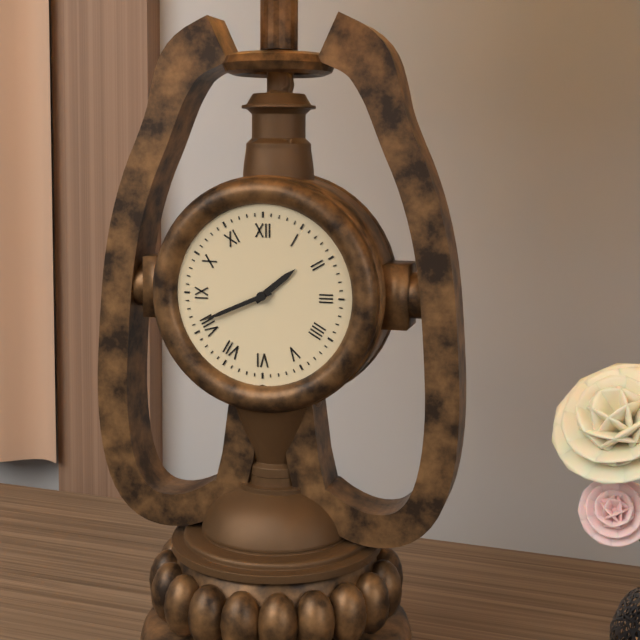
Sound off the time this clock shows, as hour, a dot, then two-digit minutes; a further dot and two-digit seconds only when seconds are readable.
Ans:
1.41
